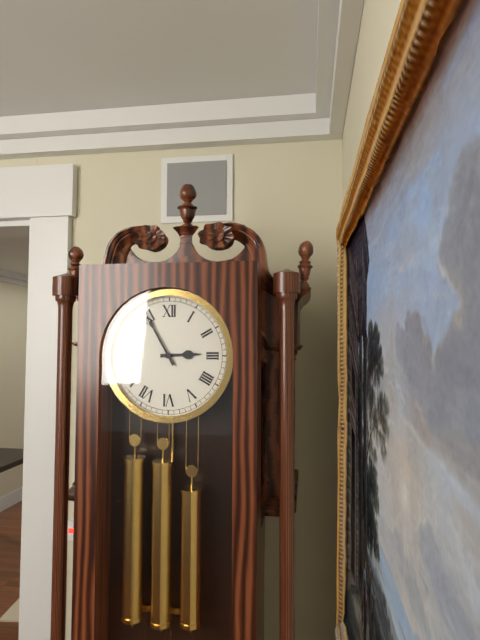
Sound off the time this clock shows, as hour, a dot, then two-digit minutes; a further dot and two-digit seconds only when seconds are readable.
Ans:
2.55
